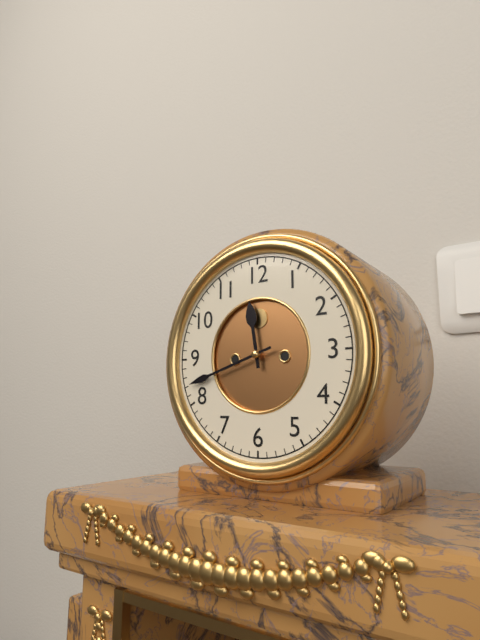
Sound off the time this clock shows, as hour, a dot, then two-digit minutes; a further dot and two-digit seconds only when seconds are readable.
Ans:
11.42
